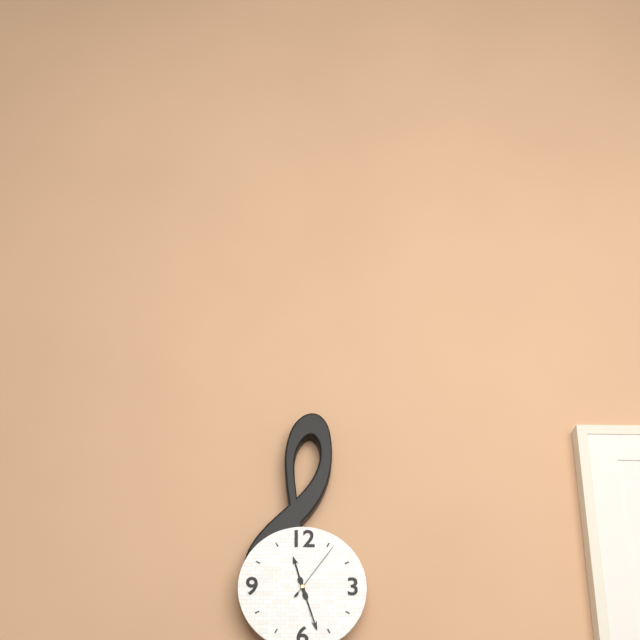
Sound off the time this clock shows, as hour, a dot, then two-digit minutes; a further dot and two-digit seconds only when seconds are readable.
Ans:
11.27.06
